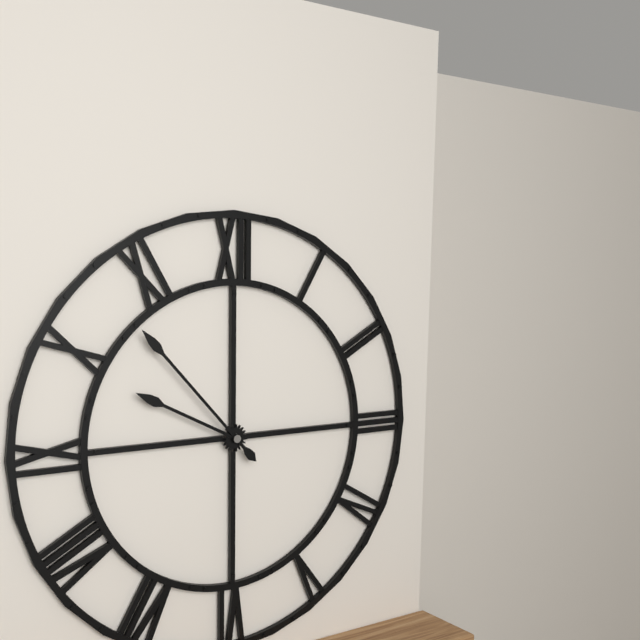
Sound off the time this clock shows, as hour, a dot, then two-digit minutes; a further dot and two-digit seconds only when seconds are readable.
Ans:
9.53
